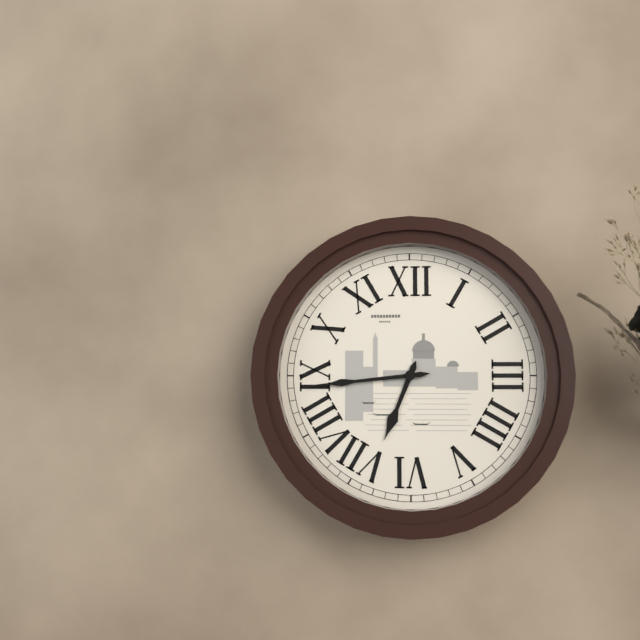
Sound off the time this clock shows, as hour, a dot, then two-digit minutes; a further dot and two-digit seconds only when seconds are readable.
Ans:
6.44
